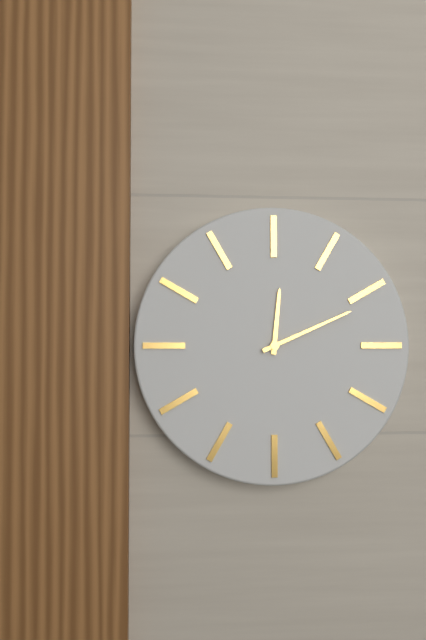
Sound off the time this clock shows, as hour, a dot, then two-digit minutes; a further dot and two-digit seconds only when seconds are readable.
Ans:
12.11
